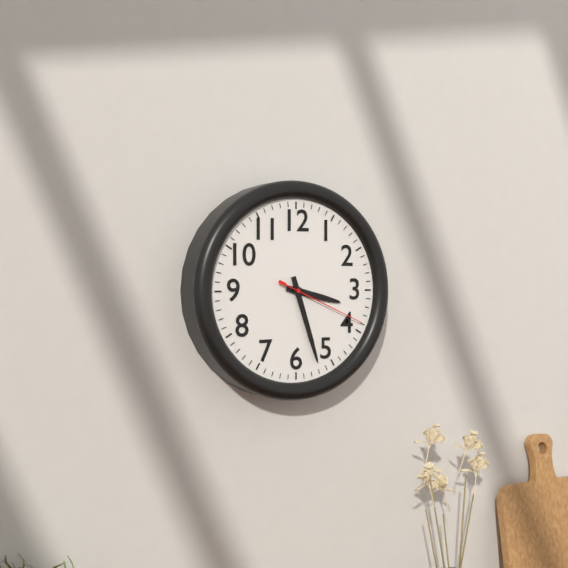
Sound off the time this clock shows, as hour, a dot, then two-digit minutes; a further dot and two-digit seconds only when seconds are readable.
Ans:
3.27.19
